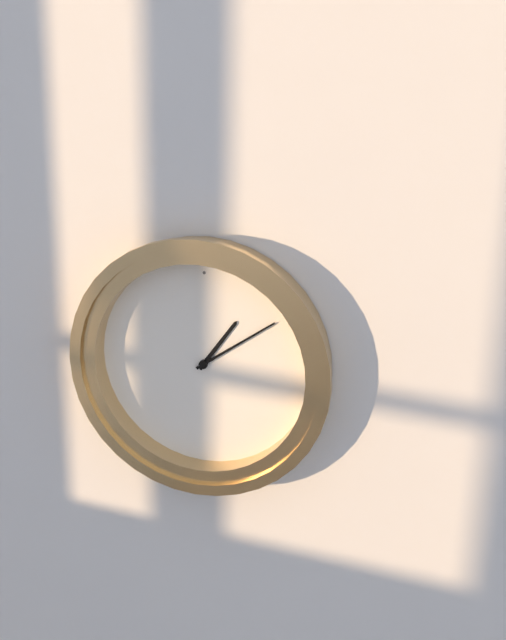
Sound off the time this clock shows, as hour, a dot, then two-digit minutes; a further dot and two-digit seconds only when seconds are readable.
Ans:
1.09
